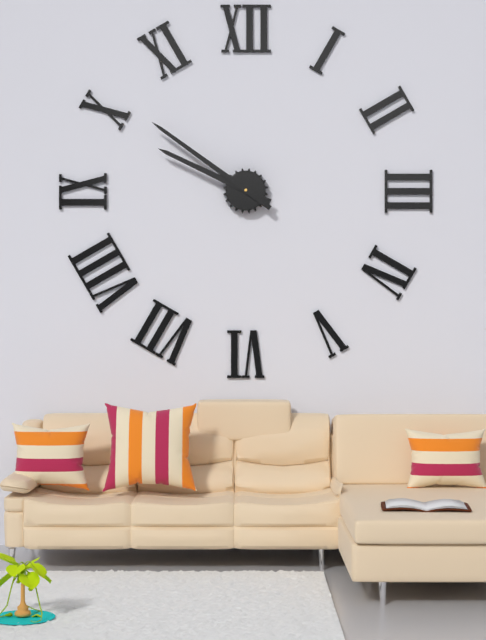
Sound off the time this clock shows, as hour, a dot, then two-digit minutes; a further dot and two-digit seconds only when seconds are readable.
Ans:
9.51
